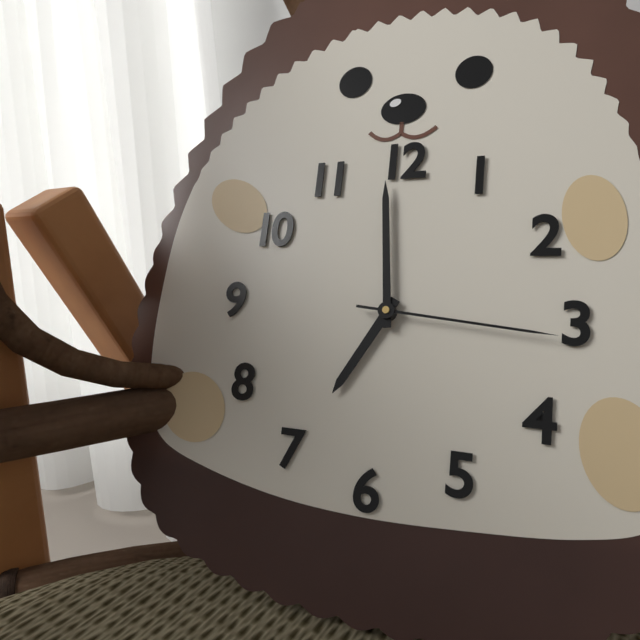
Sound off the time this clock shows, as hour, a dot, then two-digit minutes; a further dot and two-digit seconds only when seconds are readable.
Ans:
6.59.16
